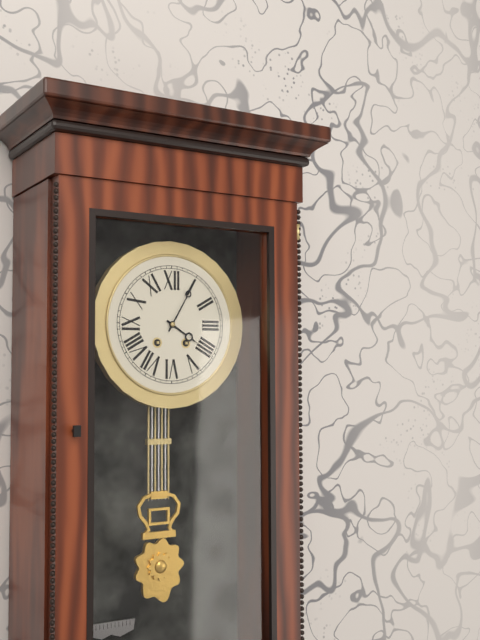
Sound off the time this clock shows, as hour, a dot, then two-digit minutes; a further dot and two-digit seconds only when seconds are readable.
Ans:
4.05
